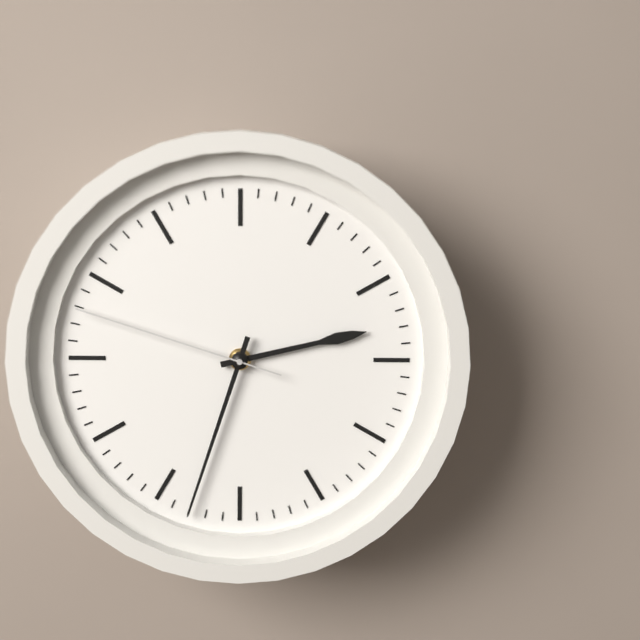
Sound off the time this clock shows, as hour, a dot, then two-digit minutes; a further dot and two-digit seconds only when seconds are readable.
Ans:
2.33.48
